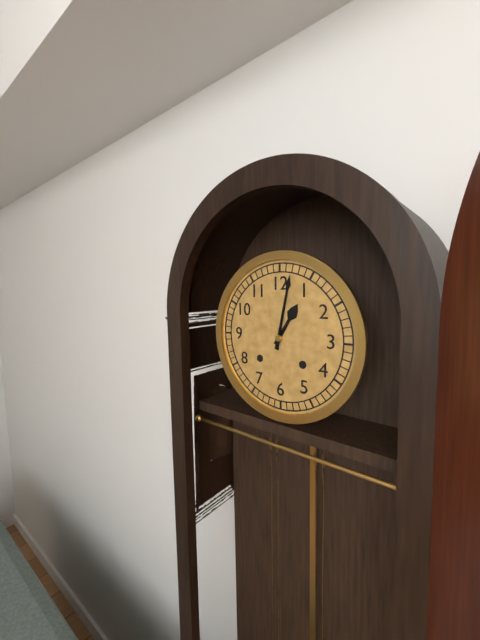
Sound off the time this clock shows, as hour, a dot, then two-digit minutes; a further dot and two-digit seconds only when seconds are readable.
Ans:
1.02
